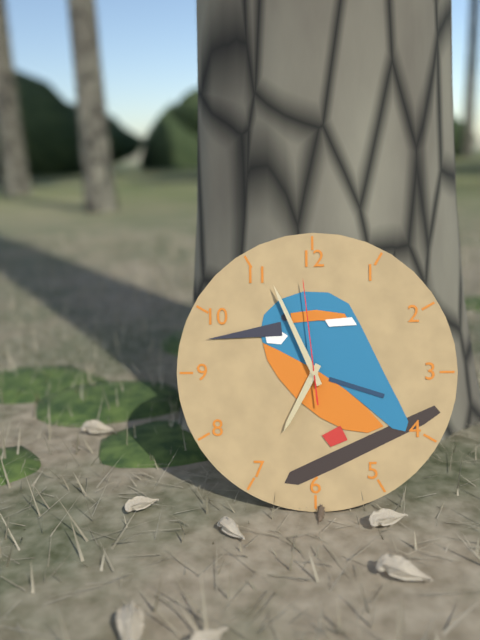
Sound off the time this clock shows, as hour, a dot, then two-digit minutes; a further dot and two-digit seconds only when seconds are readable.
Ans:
6.56.59
